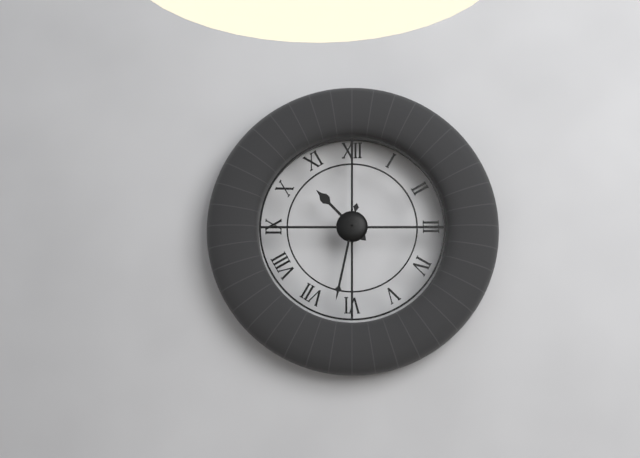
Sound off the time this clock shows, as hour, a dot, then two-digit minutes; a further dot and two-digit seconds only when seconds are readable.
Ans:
10.32
